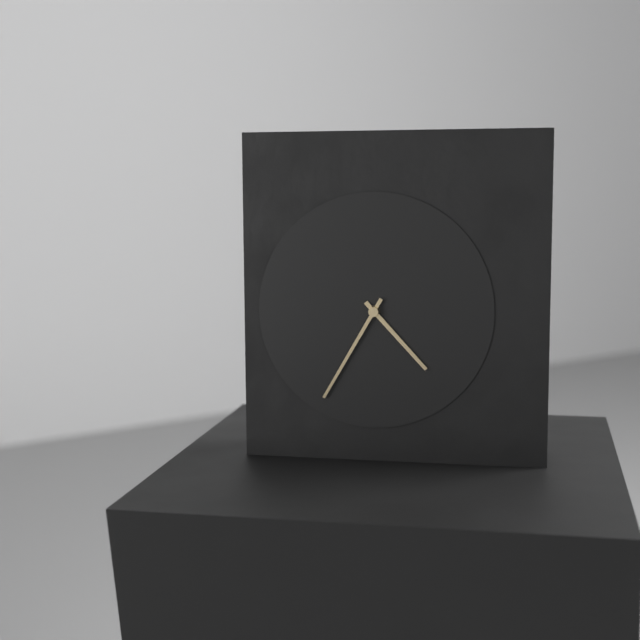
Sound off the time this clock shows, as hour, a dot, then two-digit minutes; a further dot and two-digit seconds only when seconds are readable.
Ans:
4.35
